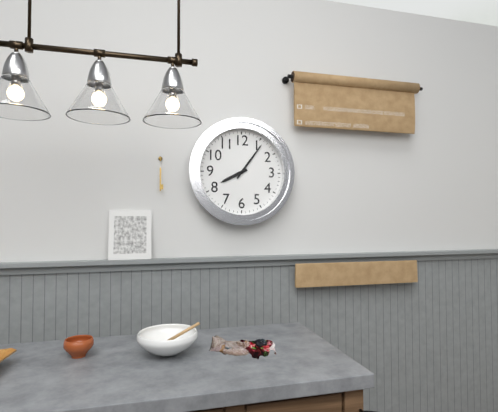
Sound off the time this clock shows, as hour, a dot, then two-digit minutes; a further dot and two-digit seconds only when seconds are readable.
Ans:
8.06
